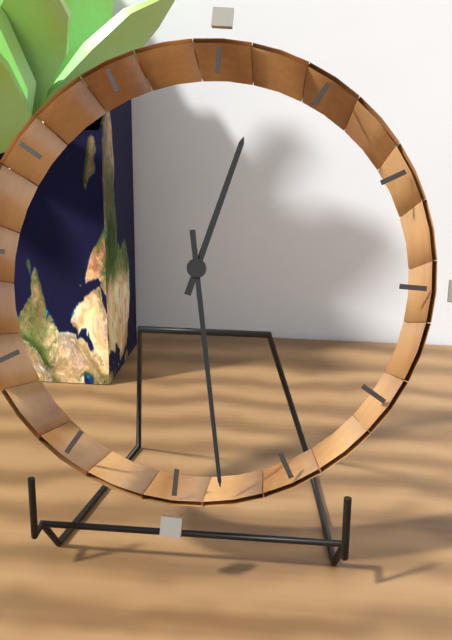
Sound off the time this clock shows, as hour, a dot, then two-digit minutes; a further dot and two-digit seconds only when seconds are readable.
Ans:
12.28
